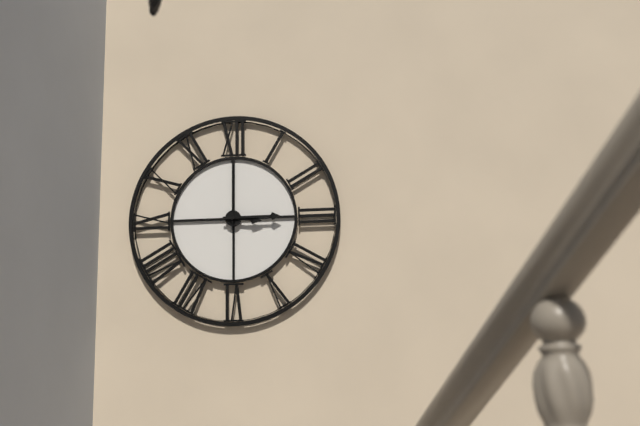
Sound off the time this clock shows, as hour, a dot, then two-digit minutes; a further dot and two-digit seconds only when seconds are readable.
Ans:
3.15.00
